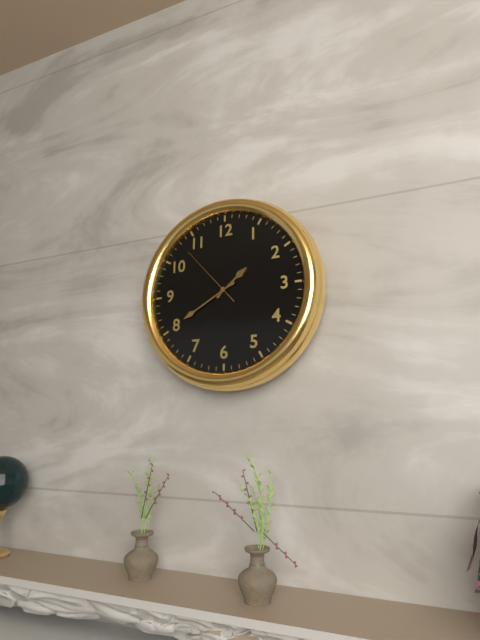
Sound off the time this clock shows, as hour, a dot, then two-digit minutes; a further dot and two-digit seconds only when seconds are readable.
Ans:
1.40.53
